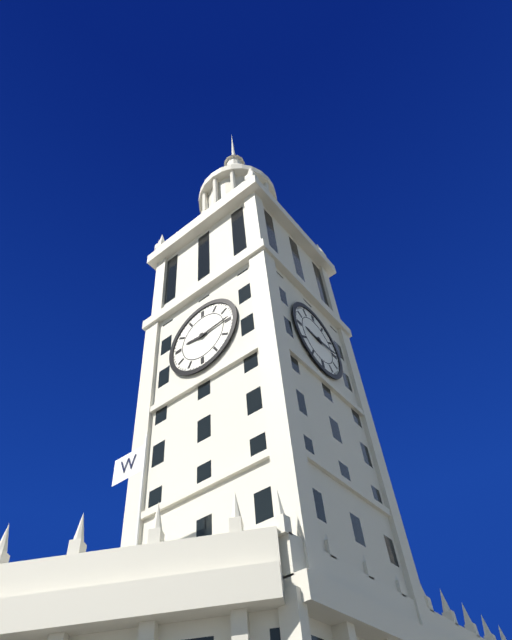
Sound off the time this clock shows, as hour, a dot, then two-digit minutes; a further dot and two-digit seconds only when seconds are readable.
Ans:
9.14
